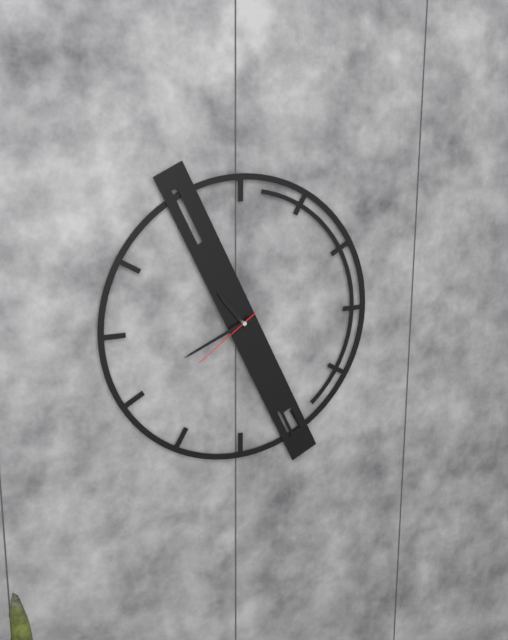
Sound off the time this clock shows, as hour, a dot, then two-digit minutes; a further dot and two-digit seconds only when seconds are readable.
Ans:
10.41.39
